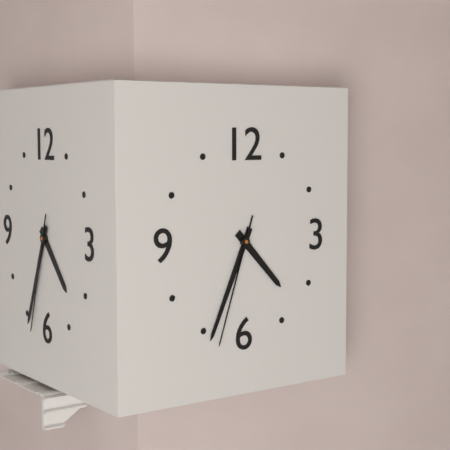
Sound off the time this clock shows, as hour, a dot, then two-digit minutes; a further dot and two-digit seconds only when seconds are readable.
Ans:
4.34.33
